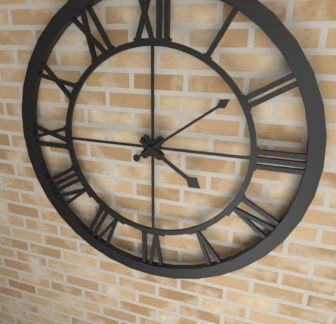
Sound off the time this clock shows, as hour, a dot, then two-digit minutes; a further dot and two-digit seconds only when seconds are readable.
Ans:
4.09
